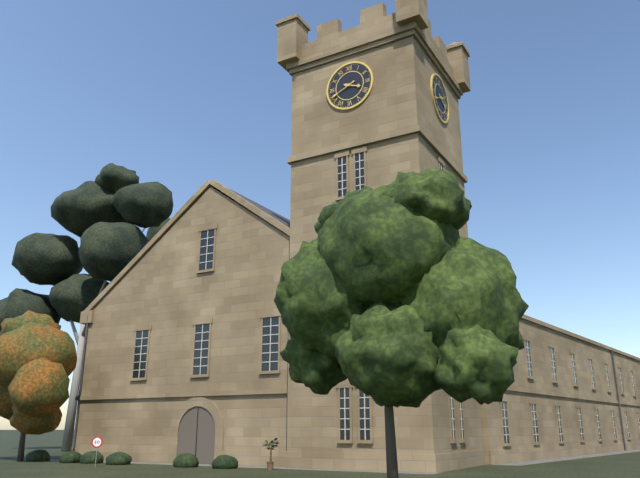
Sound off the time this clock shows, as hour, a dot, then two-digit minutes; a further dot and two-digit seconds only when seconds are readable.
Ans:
3.41
